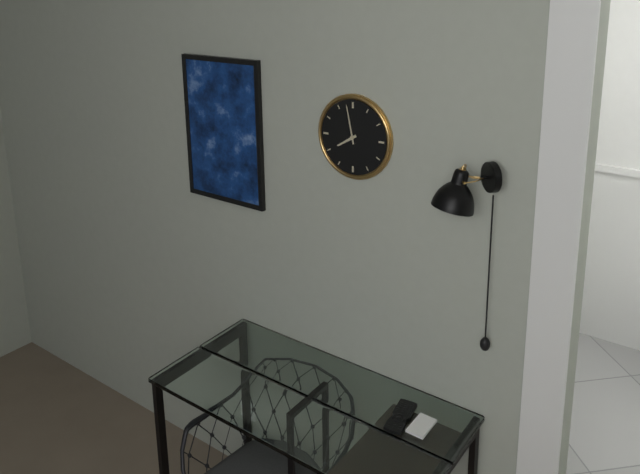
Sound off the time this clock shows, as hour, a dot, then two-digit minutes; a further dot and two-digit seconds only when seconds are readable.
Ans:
7.58
